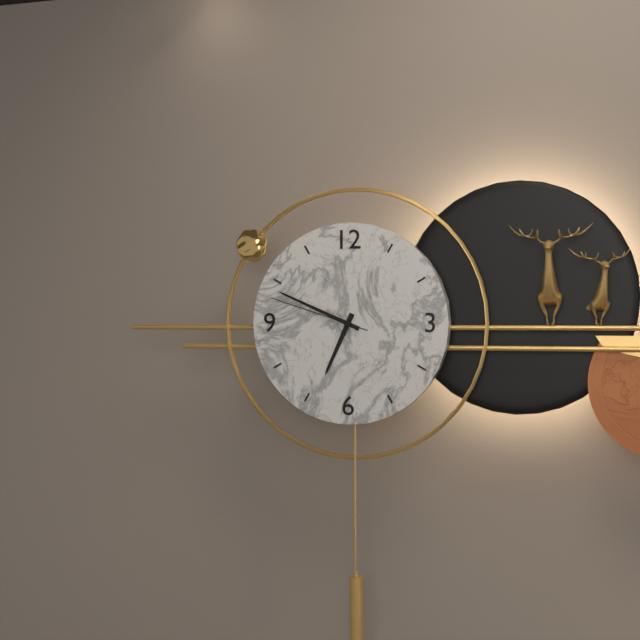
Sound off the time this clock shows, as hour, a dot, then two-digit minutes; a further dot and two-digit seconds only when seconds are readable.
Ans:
6.49.48
